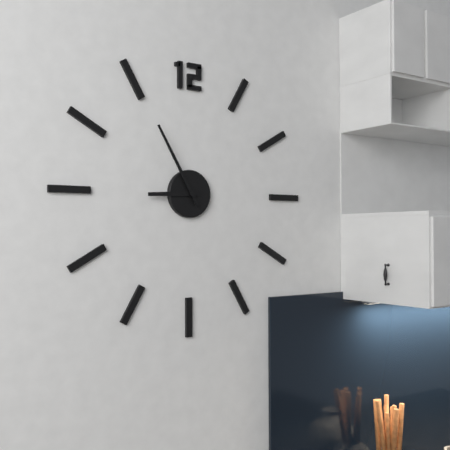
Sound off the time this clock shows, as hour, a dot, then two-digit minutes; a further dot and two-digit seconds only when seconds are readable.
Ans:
8.55
